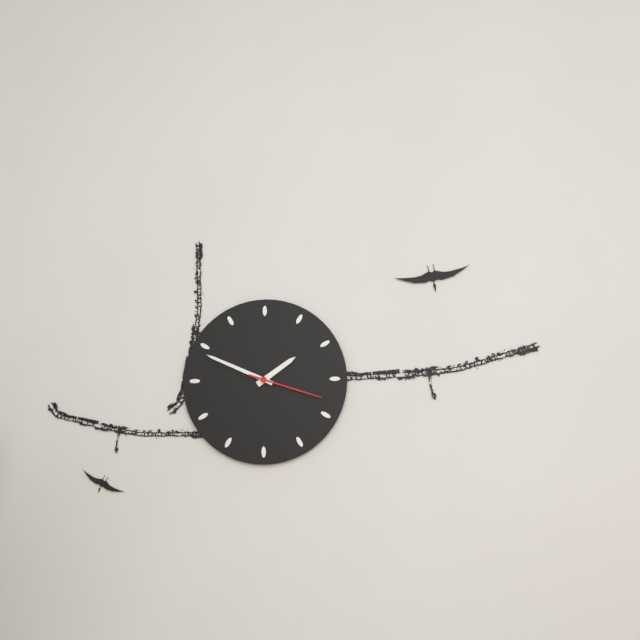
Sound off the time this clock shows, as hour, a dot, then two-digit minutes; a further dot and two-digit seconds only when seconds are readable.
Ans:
1.49.18
